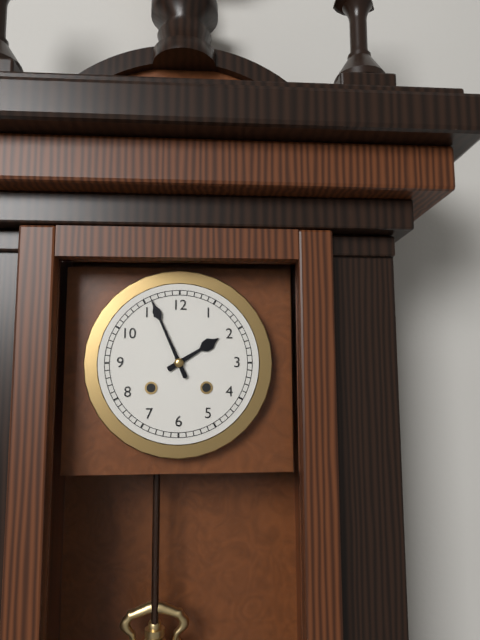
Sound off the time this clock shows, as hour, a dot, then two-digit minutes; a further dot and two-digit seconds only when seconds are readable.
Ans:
1.56
